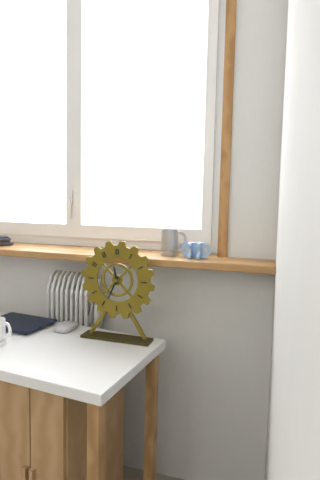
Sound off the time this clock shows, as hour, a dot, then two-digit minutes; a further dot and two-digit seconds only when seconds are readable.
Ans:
11.34
